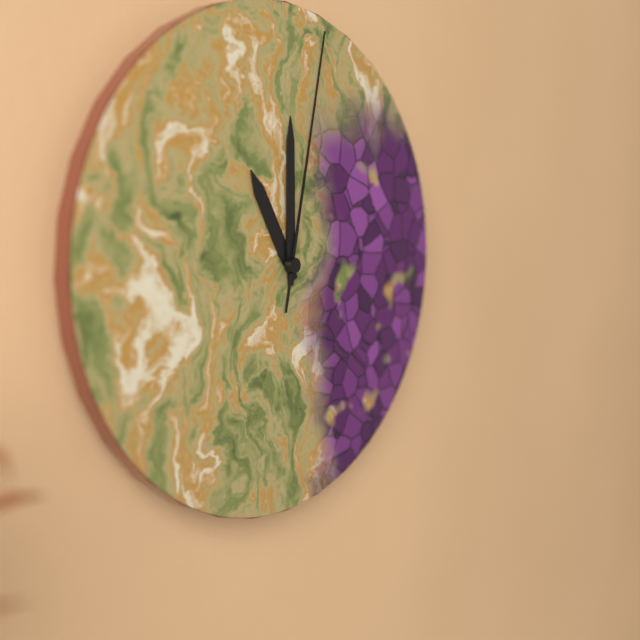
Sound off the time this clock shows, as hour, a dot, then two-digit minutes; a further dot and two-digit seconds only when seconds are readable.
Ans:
11.00.02
